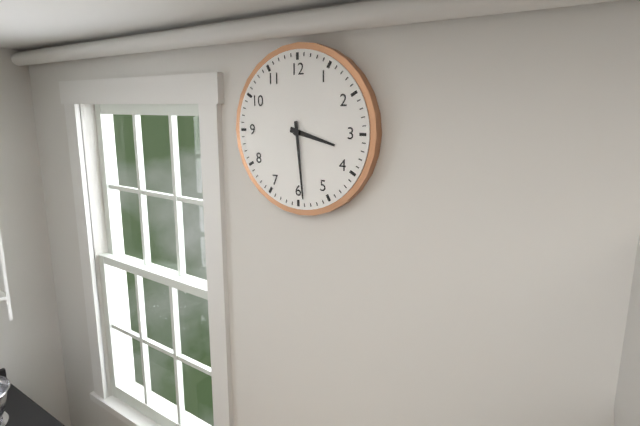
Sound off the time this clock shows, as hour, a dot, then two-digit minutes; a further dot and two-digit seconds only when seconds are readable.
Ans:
3.29
